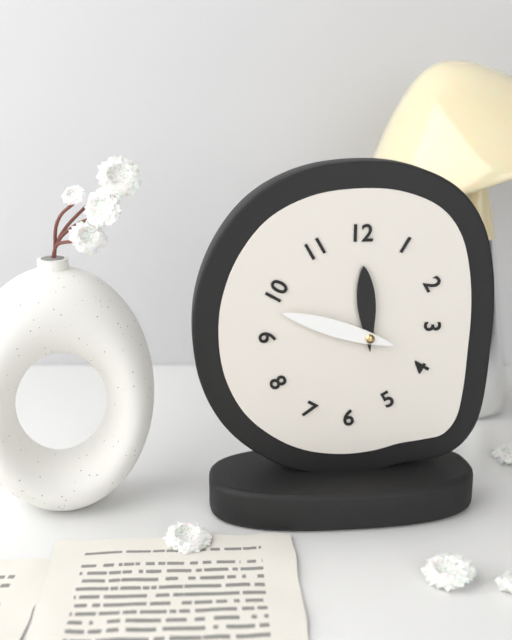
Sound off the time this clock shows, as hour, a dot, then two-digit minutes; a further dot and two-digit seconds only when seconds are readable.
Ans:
11.48
